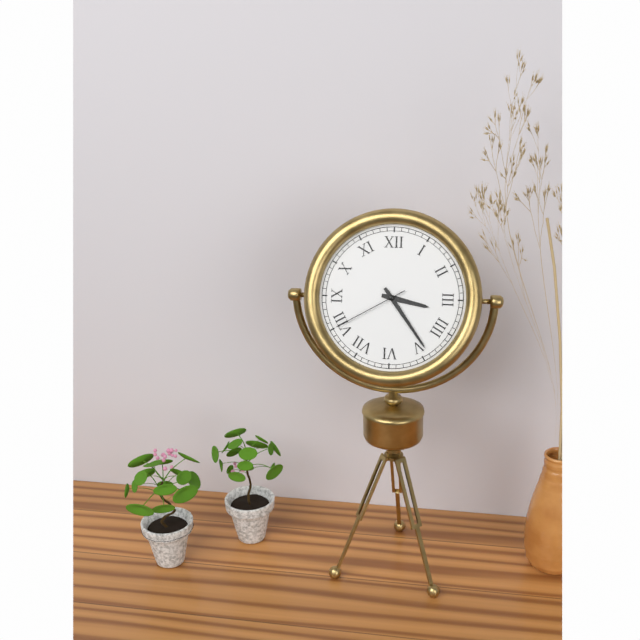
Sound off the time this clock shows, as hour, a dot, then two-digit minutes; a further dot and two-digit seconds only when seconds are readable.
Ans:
3.24.40
